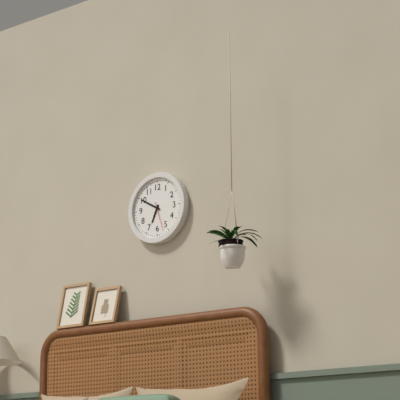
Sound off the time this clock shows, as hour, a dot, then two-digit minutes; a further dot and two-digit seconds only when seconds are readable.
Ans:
6.50
